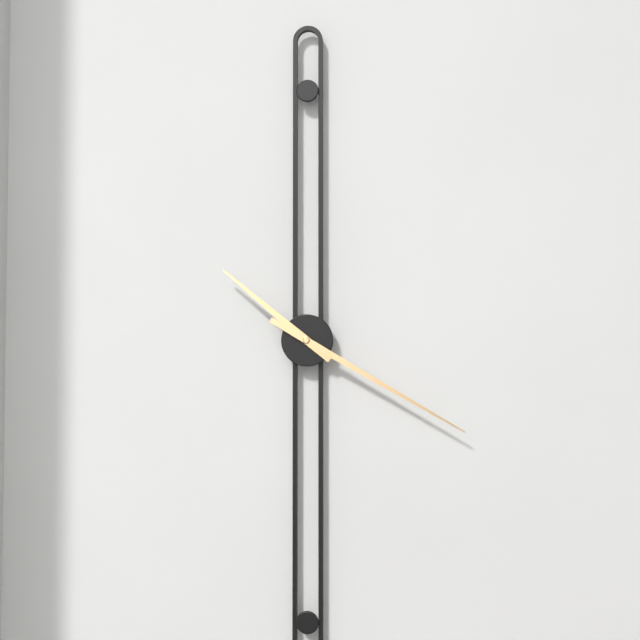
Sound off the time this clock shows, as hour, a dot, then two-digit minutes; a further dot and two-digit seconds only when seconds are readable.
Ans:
10.20
